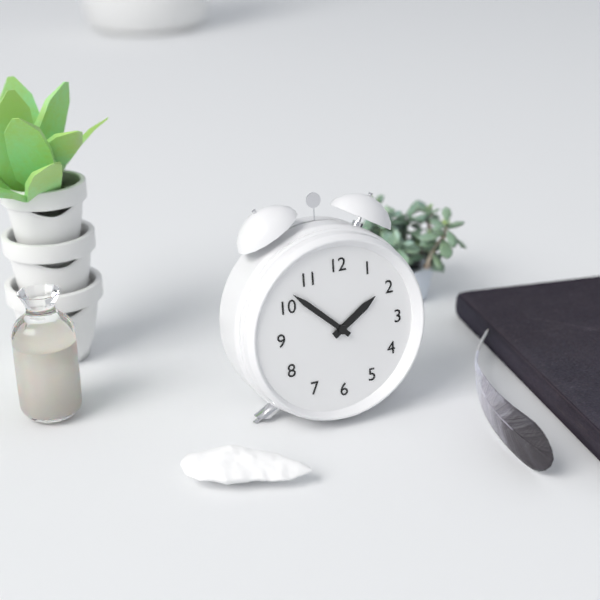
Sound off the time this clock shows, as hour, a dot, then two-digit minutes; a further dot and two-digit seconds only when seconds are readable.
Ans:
1.52
